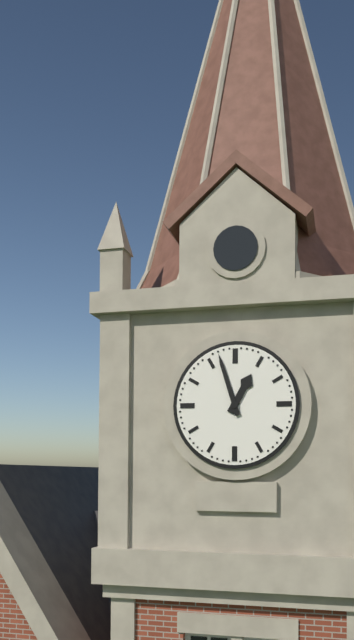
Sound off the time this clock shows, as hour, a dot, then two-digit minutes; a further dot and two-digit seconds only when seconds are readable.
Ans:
12.57
